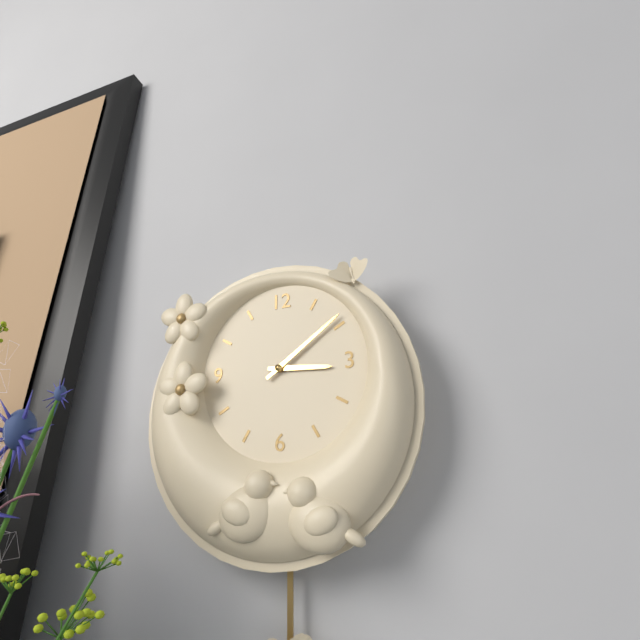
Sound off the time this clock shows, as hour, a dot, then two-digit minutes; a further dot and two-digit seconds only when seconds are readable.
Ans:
3.09
